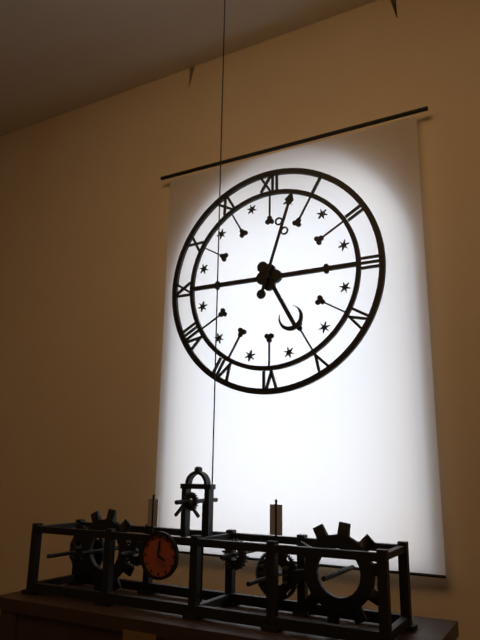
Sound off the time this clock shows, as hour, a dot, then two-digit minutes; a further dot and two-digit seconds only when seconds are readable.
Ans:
5.03
